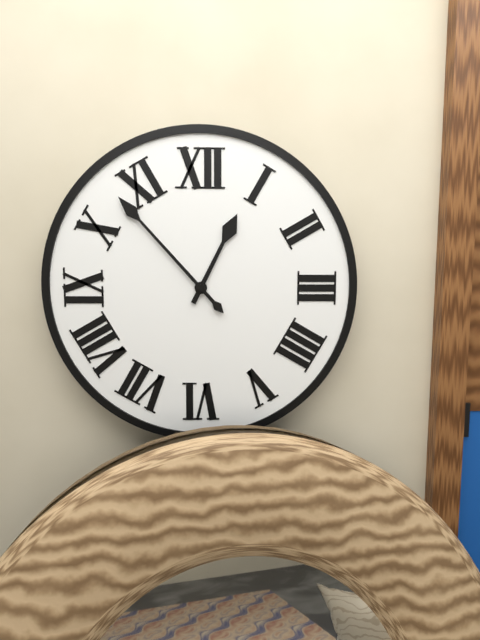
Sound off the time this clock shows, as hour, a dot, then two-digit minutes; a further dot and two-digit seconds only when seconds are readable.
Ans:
12.53
